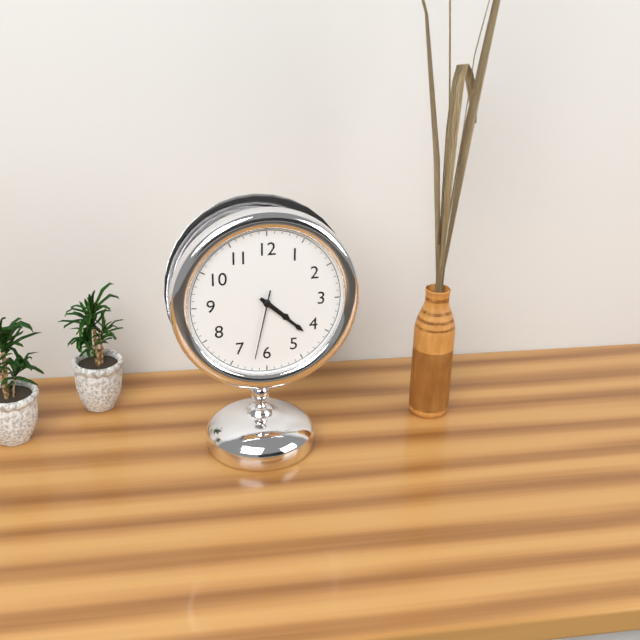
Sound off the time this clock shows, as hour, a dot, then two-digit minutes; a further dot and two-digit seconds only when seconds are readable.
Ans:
4.22.32
